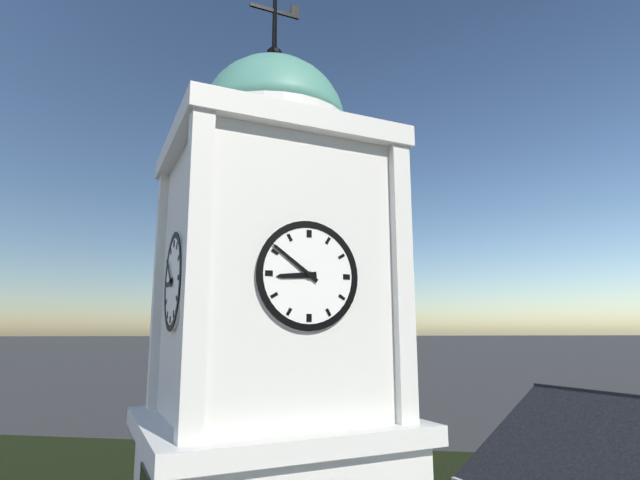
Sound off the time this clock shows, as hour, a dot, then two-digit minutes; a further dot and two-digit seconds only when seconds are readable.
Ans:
8.51
